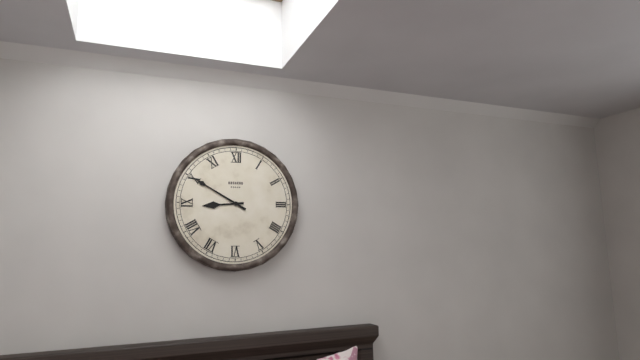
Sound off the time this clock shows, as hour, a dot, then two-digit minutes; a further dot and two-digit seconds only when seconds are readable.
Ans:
8.50
